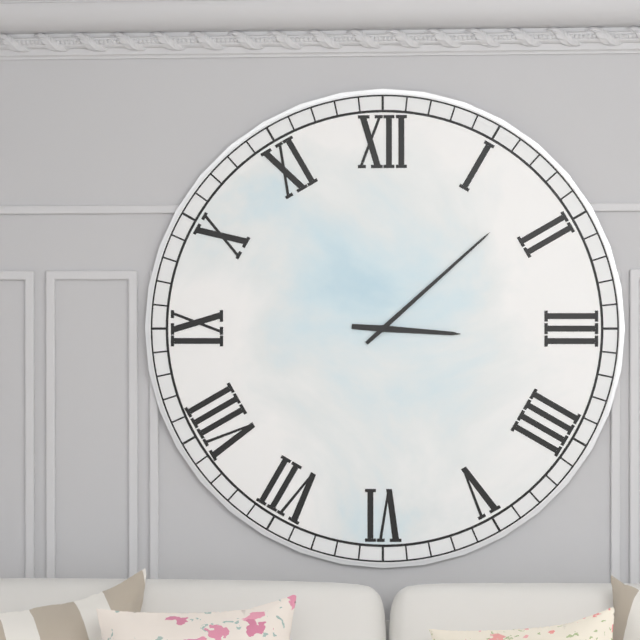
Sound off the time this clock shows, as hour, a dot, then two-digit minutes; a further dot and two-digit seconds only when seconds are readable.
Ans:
3.08
